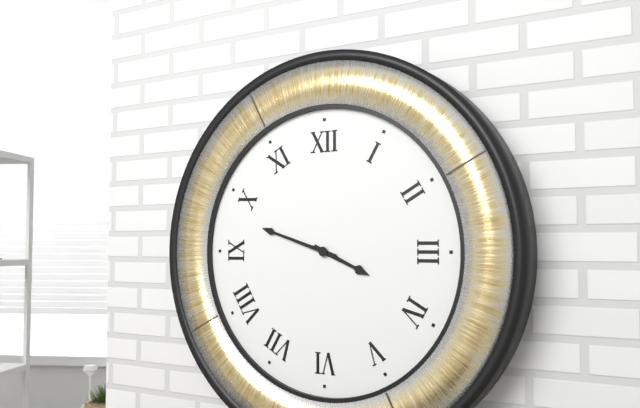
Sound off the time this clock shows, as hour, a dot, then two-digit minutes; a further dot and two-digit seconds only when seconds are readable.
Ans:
3.48
